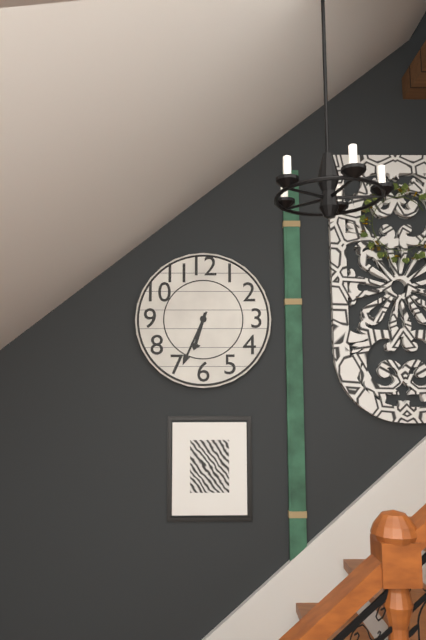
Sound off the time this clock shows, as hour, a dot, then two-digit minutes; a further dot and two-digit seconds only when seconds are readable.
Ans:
6.34
